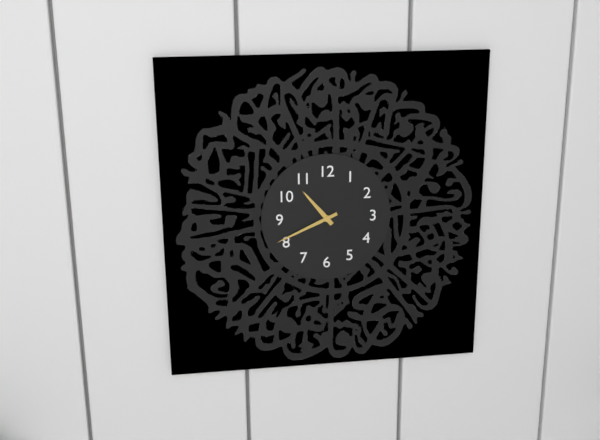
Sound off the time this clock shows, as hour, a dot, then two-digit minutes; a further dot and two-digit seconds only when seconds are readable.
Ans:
10.41
